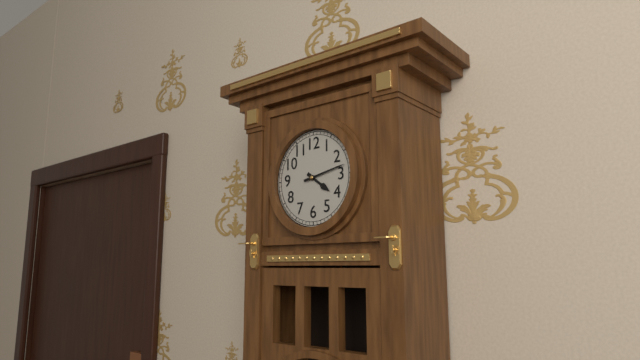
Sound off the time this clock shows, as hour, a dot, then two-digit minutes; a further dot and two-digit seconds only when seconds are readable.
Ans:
4.13
